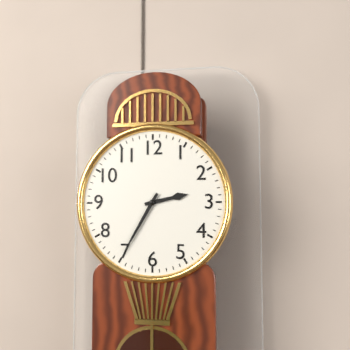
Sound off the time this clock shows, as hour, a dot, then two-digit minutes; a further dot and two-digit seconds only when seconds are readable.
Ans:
2.35
